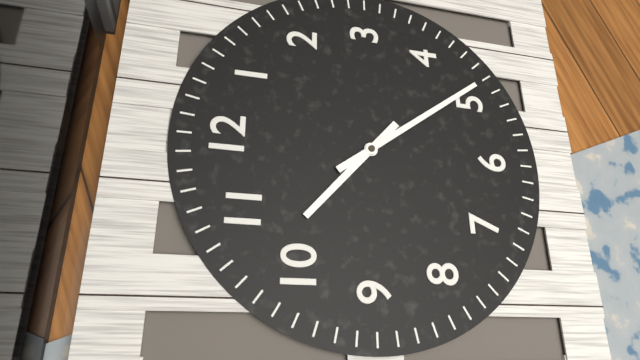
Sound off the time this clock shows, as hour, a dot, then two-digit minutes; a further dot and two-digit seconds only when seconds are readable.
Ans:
10.24
